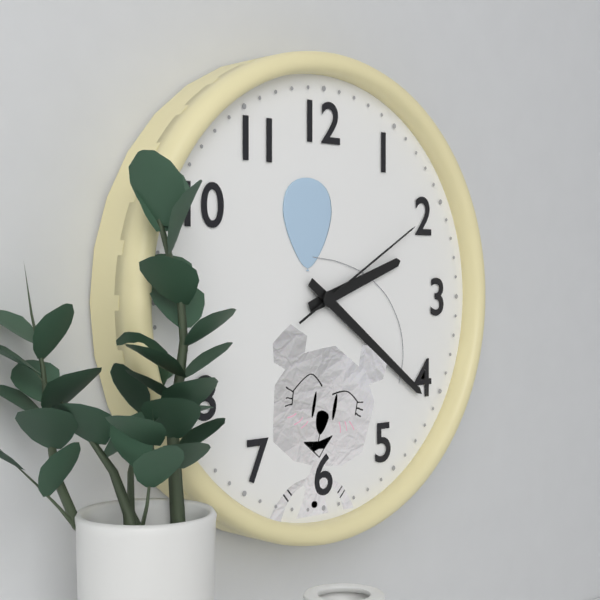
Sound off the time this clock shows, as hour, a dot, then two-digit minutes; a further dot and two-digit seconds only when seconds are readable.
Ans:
2.21.10
